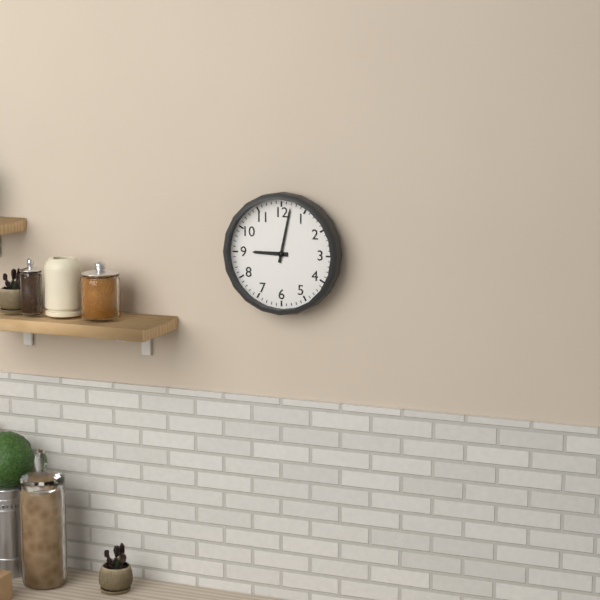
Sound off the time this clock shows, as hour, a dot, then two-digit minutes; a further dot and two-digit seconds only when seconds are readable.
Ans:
9.02
